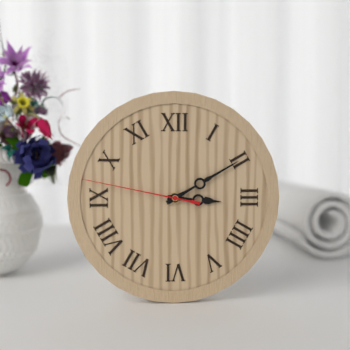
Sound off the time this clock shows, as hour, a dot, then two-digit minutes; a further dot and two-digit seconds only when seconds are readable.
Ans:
3.10.47
